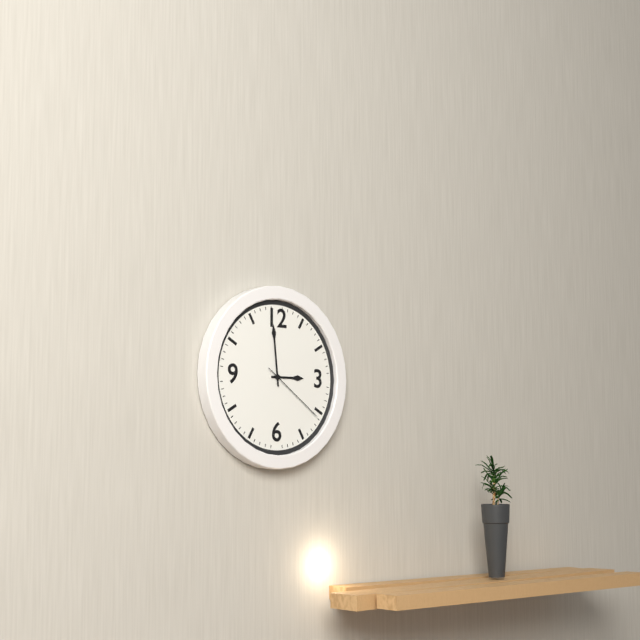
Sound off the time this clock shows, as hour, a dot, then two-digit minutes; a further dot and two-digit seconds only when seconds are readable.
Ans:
2.59.21
